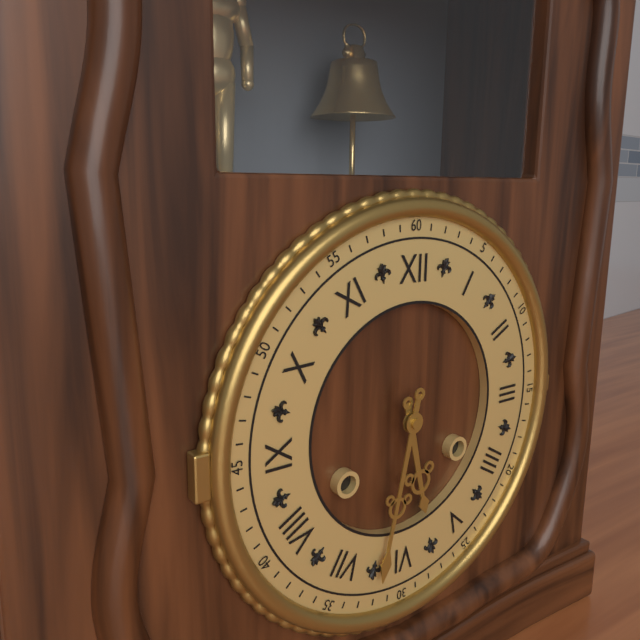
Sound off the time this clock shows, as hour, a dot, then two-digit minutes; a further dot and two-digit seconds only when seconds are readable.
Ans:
5.32
